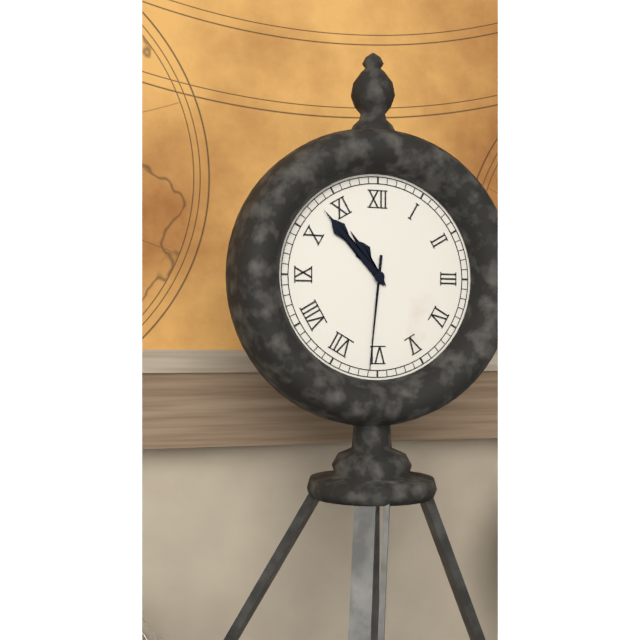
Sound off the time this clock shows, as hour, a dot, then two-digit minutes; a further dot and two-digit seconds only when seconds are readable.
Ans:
10.53.31
